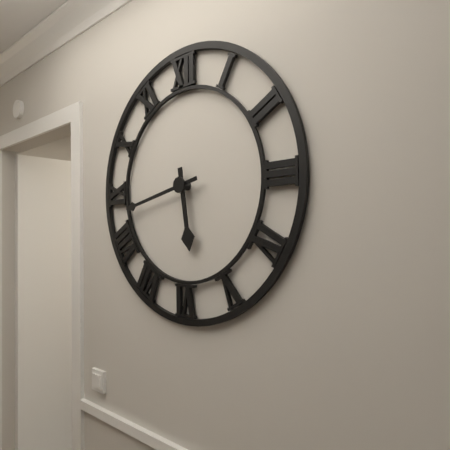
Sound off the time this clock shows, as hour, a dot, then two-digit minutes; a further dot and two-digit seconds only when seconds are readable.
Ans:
5.43
